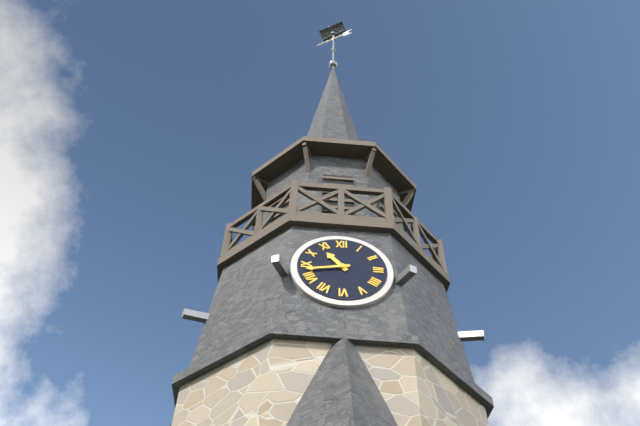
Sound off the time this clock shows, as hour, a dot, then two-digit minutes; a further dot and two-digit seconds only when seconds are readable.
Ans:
10.43
